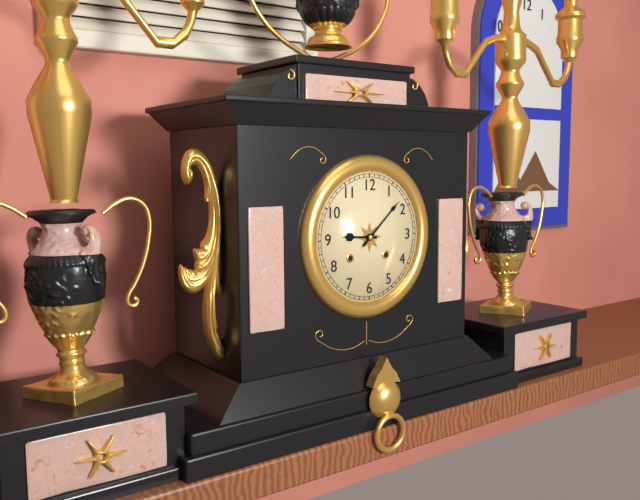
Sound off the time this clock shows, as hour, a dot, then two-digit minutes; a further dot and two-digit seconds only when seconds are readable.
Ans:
9.08
